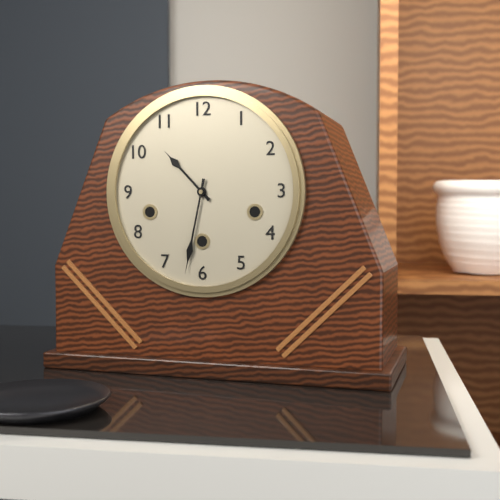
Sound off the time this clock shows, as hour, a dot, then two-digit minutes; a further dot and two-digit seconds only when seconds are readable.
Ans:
10.32
